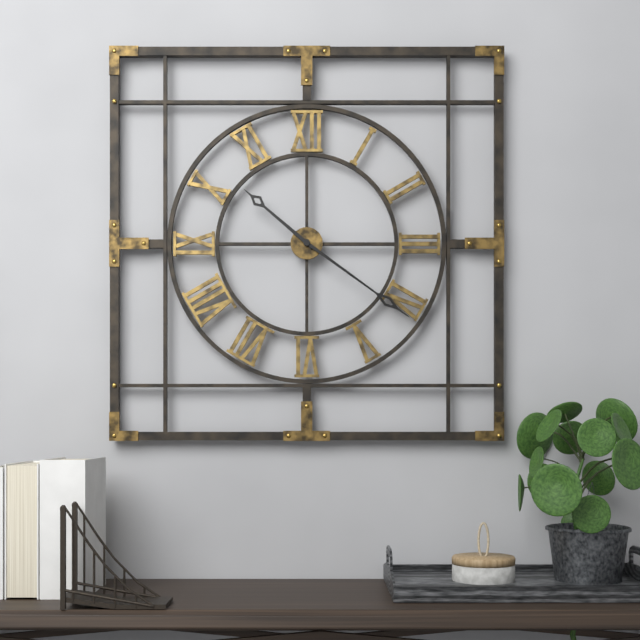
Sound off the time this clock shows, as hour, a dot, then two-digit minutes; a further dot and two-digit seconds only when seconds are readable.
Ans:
10.21
